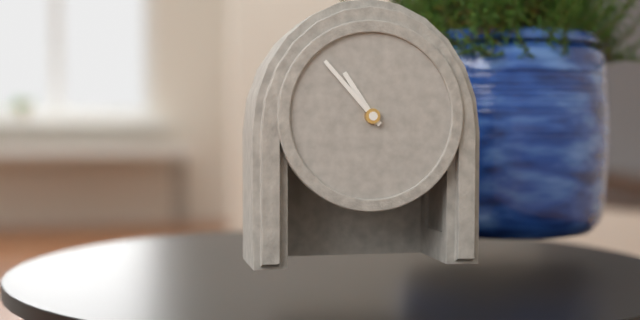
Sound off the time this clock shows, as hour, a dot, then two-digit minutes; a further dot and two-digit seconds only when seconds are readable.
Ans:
10.53
